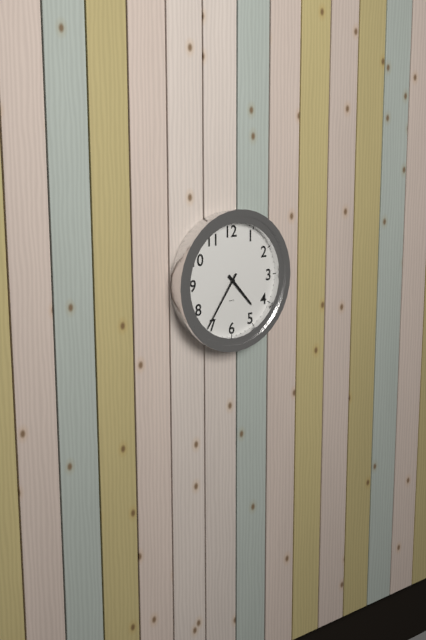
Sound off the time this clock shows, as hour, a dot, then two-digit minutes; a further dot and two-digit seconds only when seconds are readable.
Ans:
4.36
